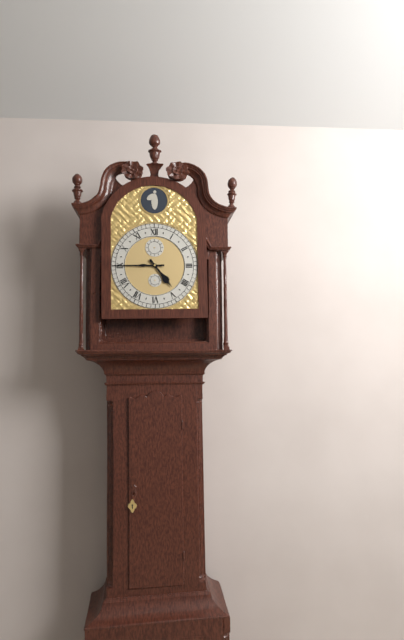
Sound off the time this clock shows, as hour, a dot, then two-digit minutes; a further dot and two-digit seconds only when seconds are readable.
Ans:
4.45
